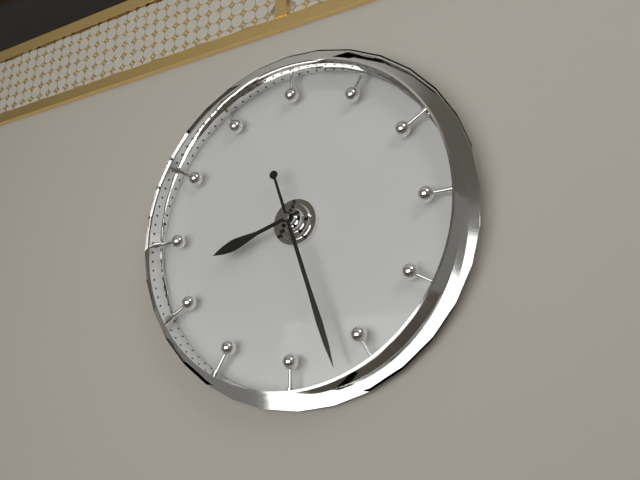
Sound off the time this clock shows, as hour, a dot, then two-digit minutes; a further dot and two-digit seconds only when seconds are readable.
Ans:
8.27
